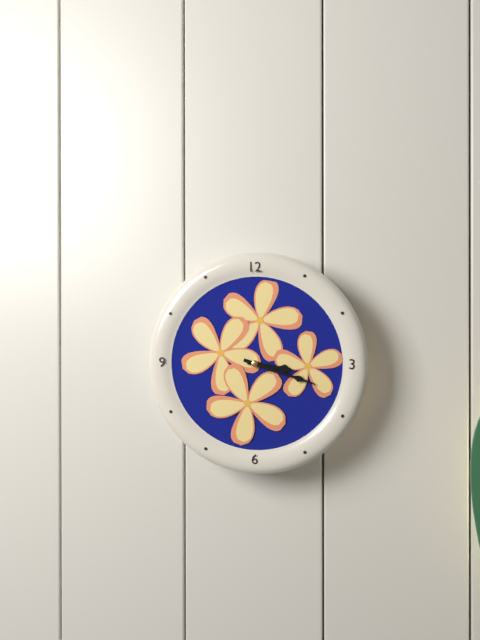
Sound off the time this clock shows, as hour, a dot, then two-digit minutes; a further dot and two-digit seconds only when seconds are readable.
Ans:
3.18
